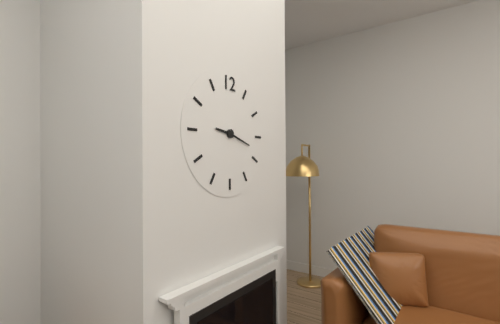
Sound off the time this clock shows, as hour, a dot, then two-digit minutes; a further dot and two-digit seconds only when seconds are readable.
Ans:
9.18
